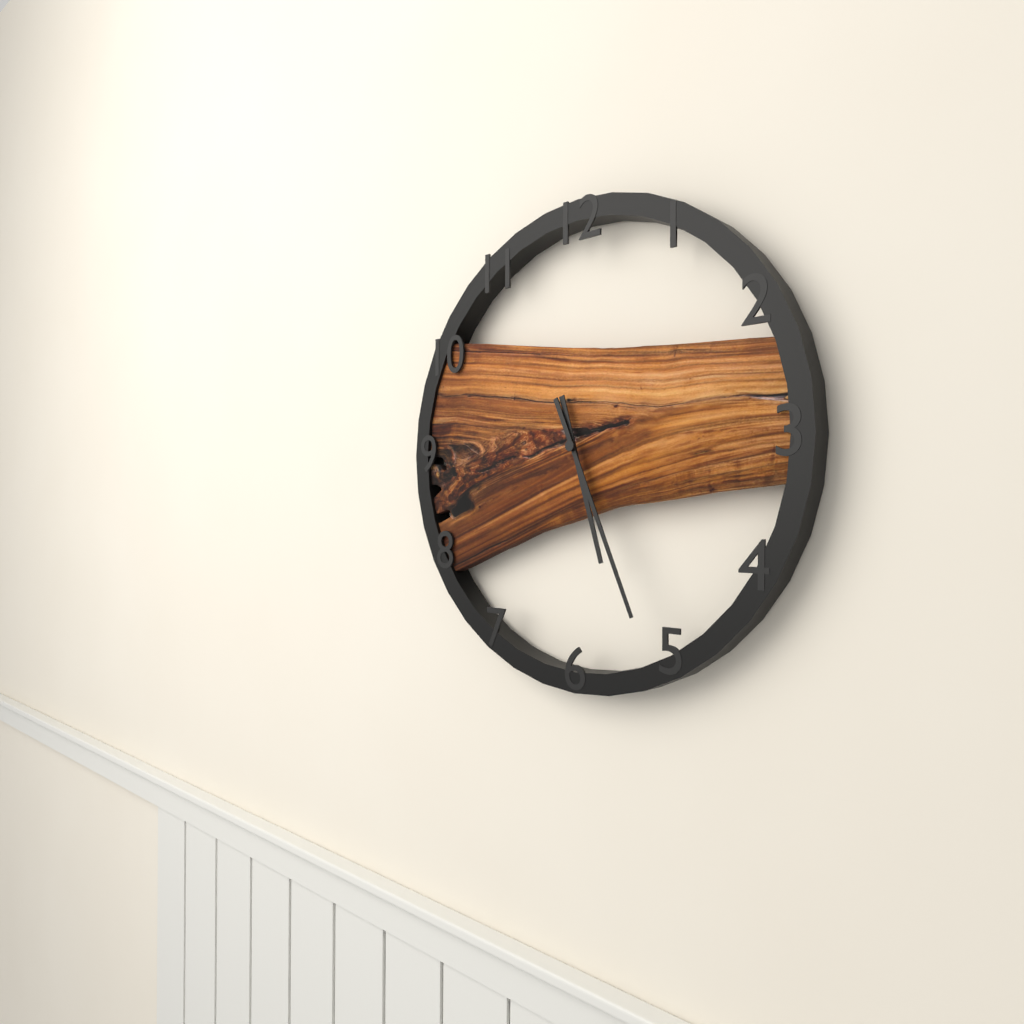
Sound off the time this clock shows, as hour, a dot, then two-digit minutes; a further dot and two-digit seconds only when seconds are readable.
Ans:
5.26
